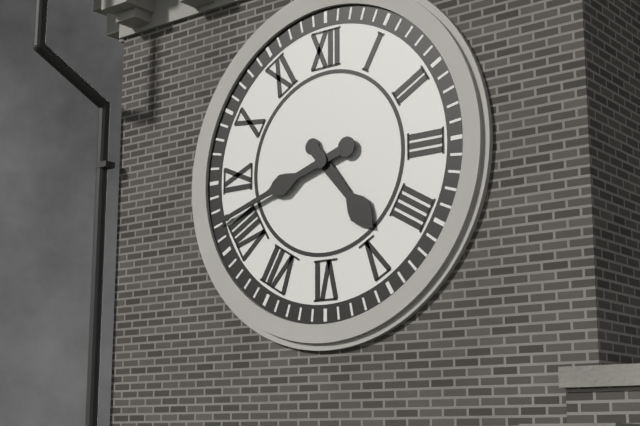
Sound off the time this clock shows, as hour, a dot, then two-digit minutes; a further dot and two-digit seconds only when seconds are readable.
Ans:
4.42
